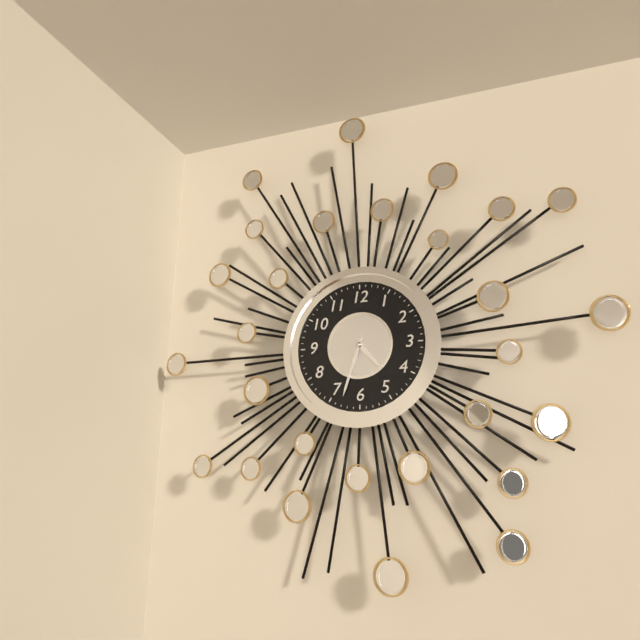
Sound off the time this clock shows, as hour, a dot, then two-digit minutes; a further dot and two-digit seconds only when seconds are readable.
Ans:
4.33
